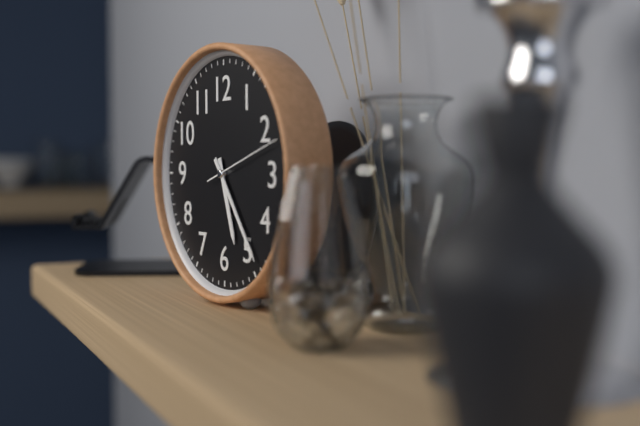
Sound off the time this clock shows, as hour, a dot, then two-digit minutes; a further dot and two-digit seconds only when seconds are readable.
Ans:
5.24.12
